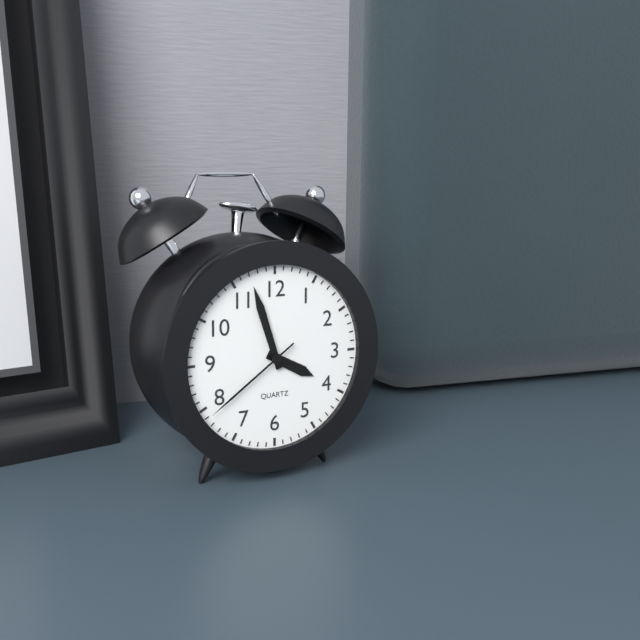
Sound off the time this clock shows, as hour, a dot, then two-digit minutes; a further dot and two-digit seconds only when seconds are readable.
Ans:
3.57.39
